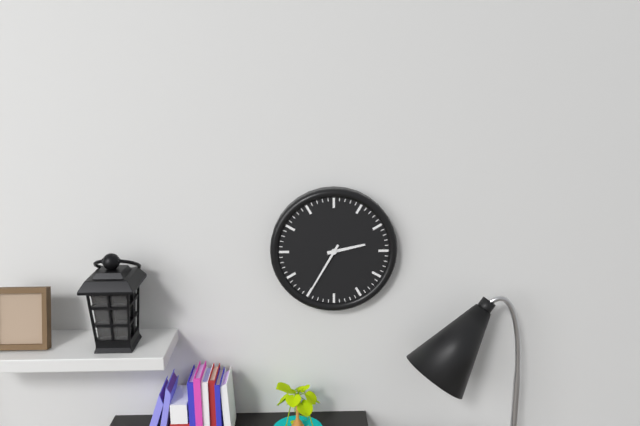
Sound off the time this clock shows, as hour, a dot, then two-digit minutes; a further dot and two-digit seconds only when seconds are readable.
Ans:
2.35
